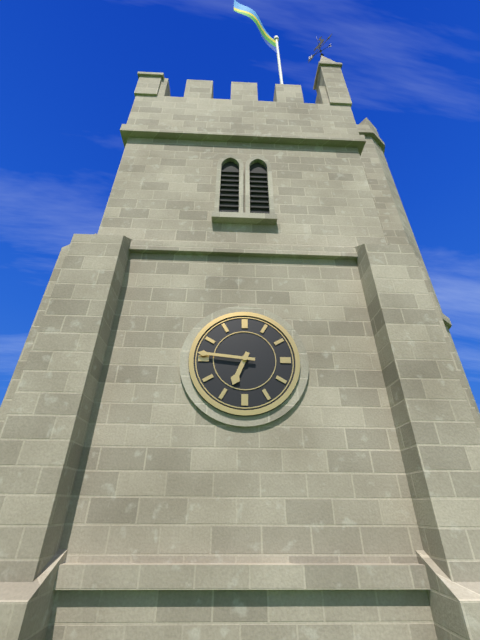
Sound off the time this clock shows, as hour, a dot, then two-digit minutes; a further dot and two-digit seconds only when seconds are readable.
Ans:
6.46
